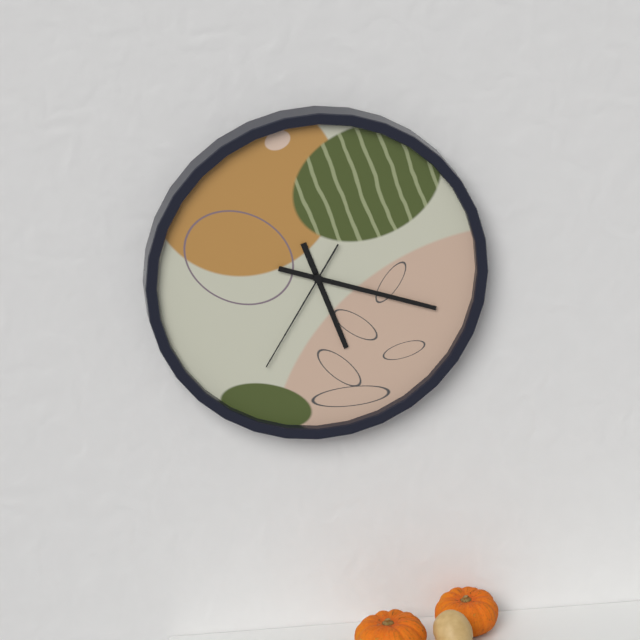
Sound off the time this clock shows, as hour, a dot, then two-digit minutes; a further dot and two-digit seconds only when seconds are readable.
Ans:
5.18.35
